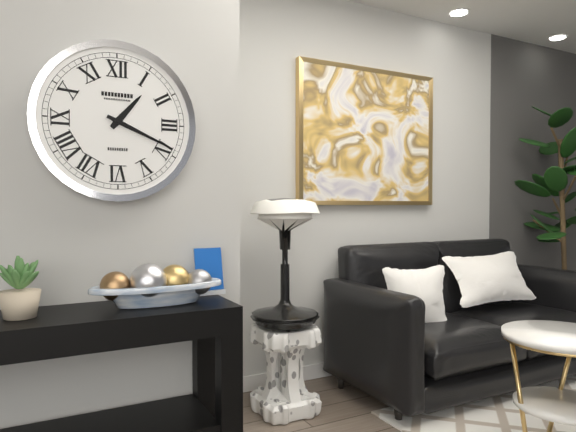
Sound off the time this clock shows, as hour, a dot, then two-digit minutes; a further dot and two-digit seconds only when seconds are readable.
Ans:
1.19
